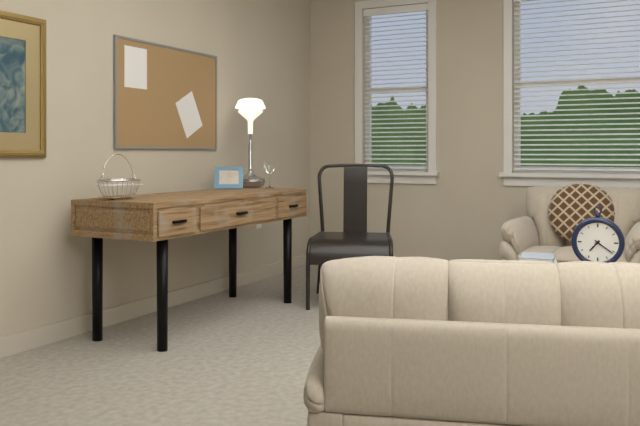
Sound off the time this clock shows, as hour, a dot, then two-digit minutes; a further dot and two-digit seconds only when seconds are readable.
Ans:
7.21
